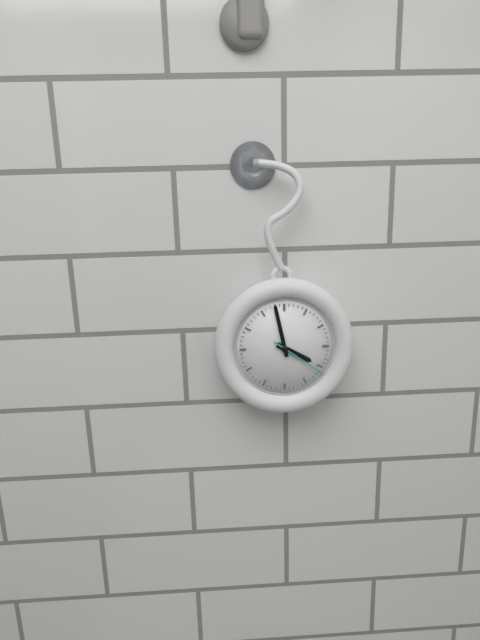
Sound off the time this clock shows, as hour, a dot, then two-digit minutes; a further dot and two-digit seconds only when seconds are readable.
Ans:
3.58.21
